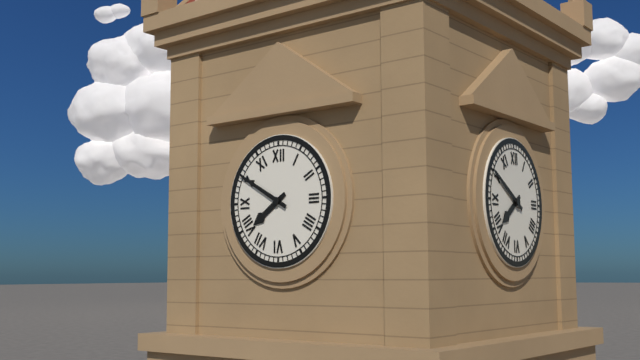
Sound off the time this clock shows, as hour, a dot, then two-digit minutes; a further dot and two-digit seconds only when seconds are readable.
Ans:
7.50
